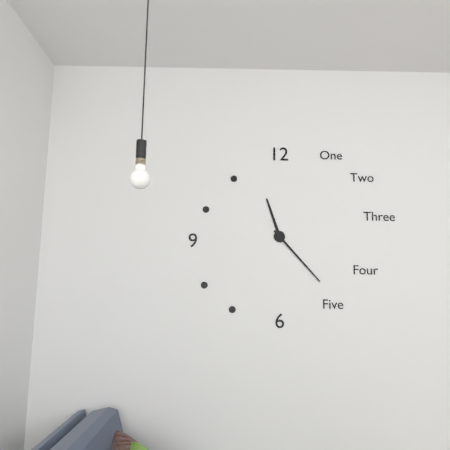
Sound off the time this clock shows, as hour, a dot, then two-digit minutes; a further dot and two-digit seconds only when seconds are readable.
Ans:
11.23
